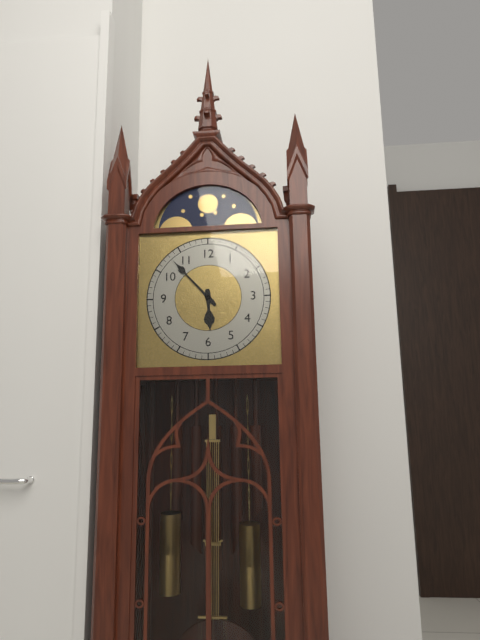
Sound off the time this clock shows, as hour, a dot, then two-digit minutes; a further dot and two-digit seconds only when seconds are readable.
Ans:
5.53
